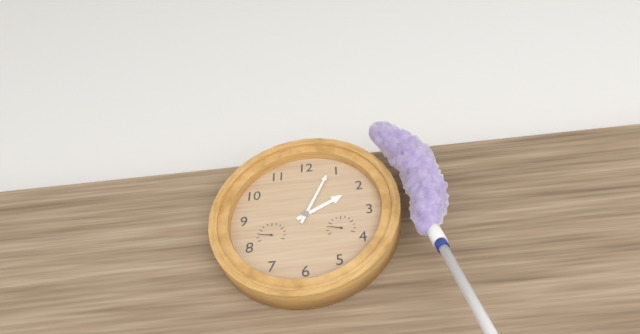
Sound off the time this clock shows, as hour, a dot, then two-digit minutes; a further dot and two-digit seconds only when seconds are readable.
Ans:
2.04
